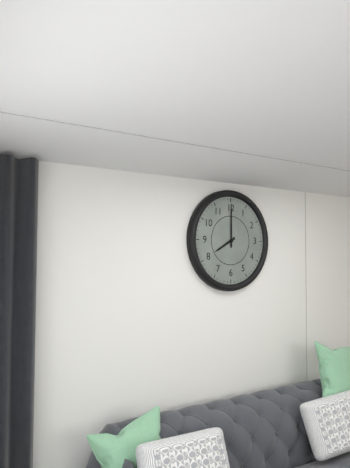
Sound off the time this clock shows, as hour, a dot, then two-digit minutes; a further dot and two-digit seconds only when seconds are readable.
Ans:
8.00
